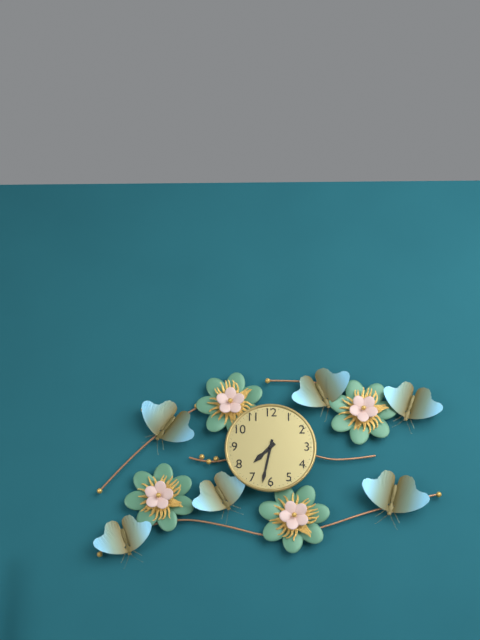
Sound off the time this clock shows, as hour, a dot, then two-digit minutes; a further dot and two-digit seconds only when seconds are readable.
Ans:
7.32
